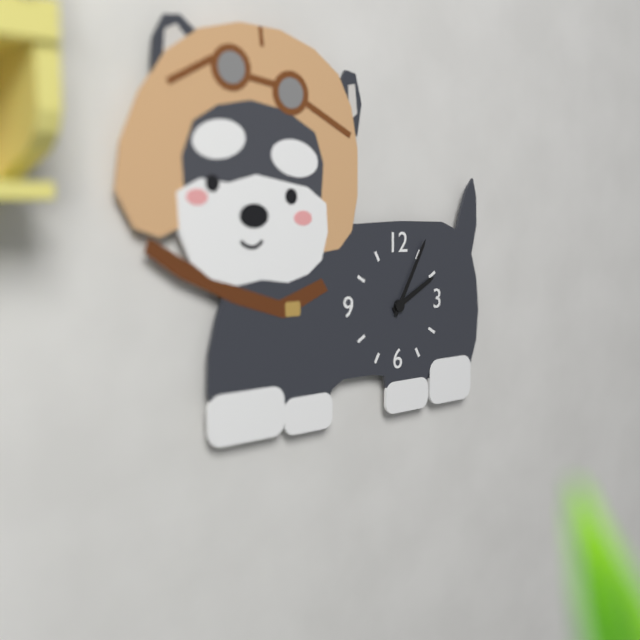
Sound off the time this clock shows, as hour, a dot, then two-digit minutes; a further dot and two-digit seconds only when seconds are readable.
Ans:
2.05
